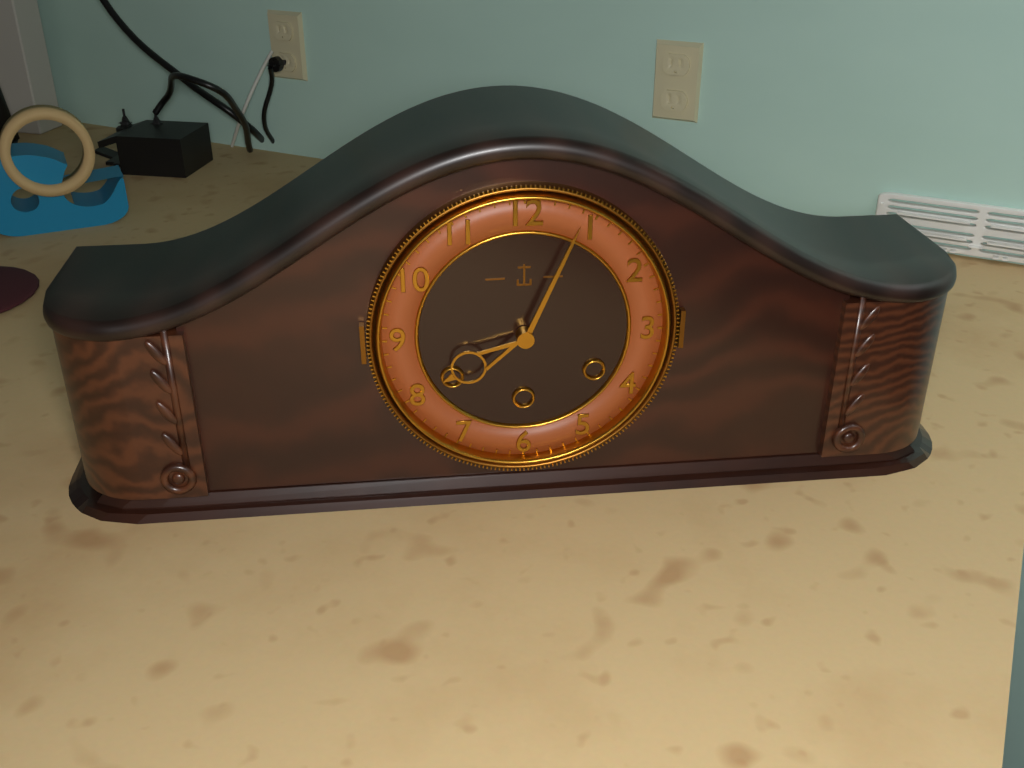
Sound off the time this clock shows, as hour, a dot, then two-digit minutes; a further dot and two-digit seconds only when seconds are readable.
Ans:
8.04
